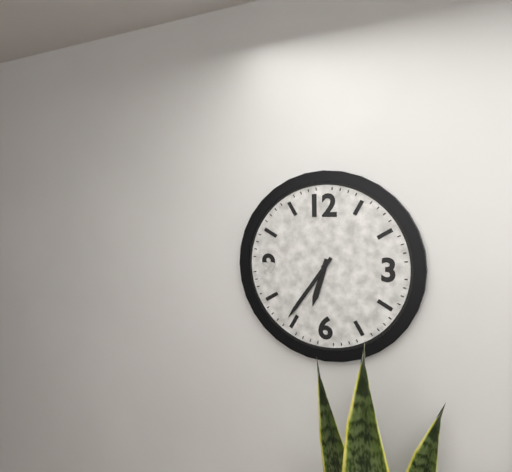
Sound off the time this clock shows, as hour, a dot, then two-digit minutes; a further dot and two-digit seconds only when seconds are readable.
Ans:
6.36
